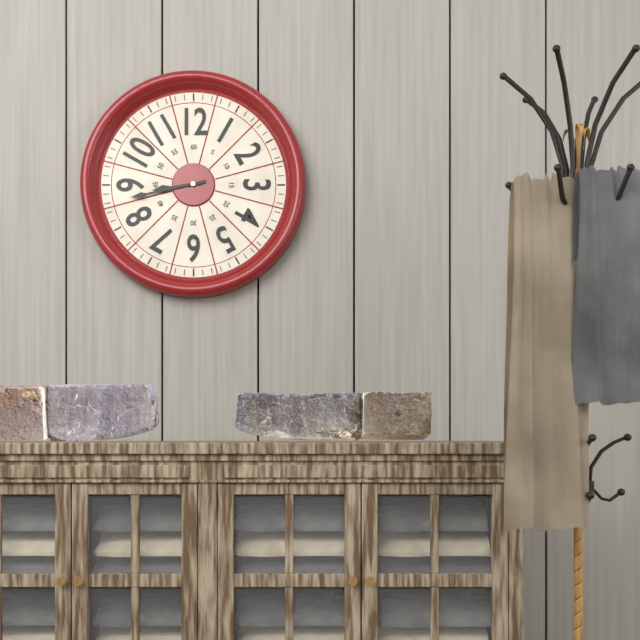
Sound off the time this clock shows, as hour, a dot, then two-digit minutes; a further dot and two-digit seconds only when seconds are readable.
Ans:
8.43
